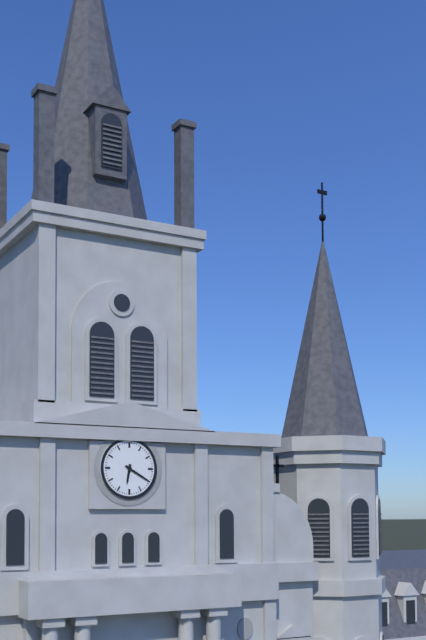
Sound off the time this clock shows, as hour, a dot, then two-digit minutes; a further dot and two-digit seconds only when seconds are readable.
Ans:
6.20
